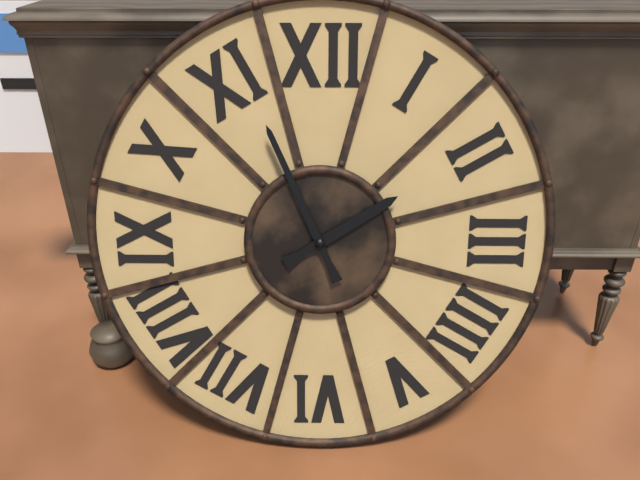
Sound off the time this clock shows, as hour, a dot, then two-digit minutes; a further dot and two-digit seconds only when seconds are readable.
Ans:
1.56
